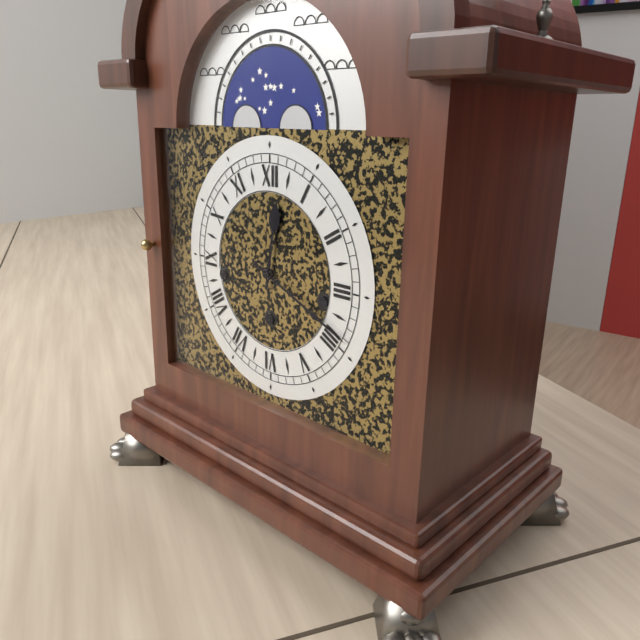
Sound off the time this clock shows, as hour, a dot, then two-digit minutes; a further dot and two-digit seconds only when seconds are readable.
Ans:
12.19
